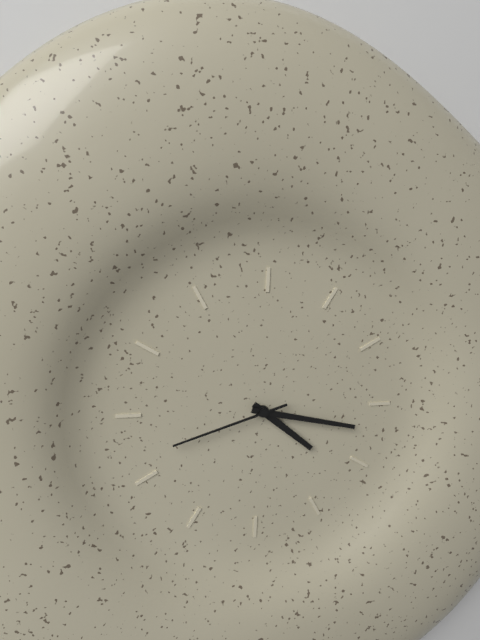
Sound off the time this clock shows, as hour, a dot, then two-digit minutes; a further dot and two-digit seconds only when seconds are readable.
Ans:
4.17.42
